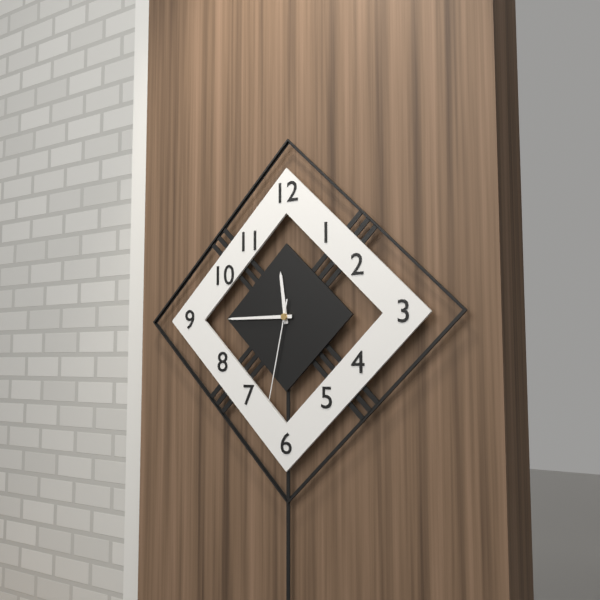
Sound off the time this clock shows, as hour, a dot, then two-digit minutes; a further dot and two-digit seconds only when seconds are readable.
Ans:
11.45.32
